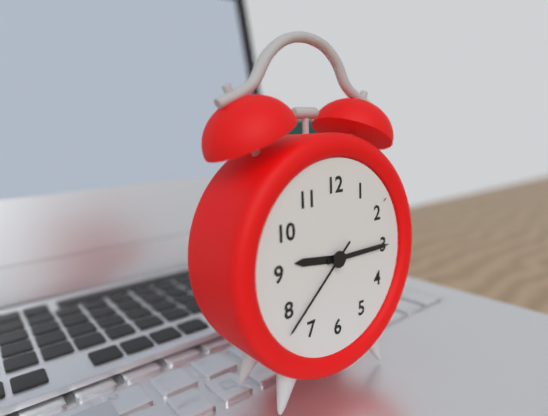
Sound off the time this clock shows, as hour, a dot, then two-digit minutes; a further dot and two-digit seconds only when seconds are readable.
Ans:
9.15.38
